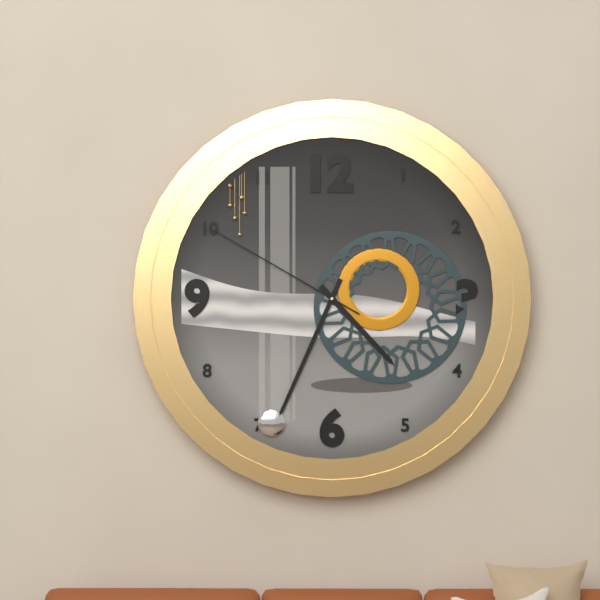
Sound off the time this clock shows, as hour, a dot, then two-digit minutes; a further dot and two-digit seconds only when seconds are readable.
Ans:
4.34.50
